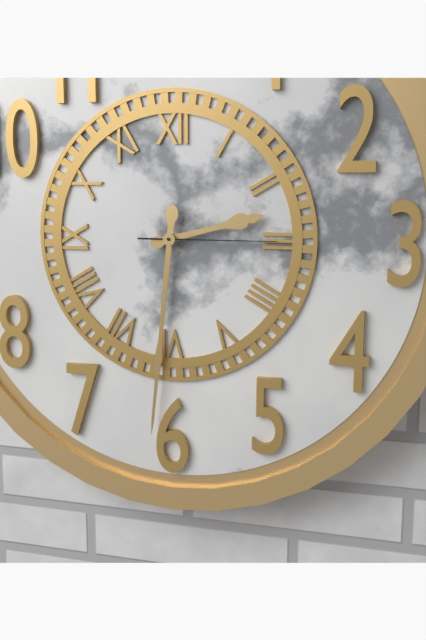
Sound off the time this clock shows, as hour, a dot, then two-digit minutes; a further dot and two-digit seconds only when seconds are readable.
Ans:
2.31.15
